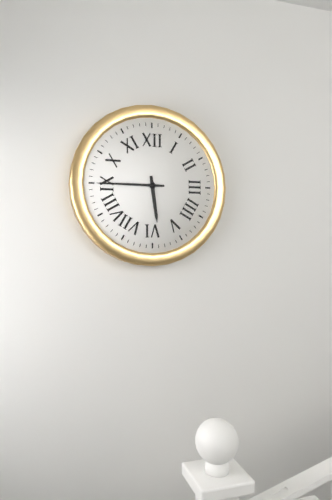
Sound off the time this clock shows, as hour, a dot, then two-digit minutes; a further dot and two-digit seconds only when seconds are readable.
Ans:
5.45
